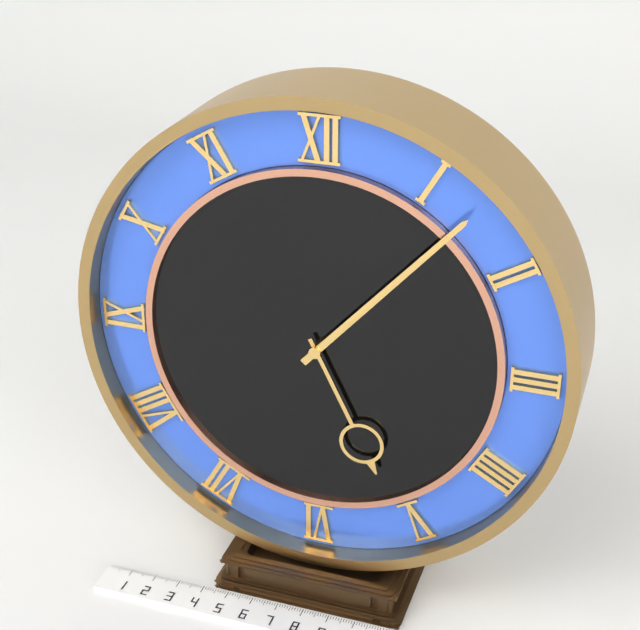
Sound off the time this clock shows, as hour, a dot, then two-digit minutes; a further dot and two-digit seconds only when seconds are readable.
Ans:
5.07
